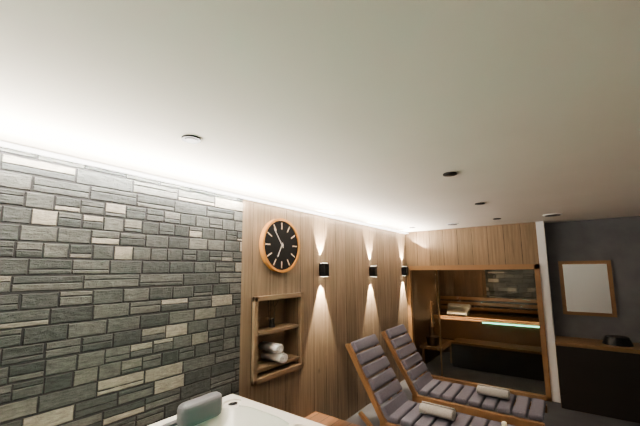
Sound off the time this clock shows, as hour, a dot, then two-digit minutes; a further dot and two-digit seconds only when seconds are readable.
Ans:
6.54
